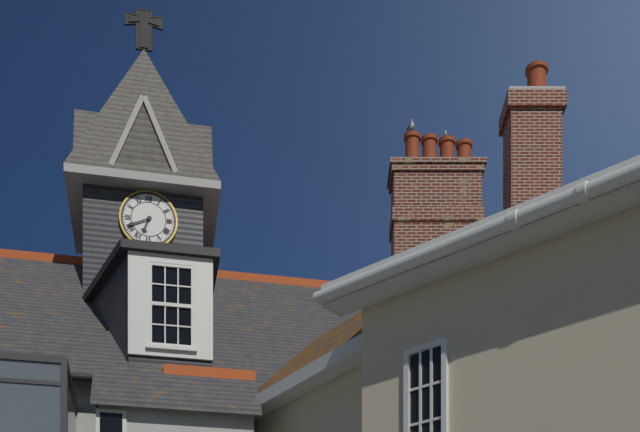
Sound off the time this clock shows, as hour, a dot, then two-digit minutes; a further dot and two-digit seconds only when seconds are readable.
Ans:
6.41
